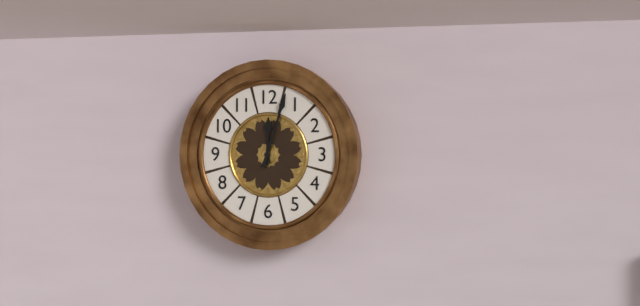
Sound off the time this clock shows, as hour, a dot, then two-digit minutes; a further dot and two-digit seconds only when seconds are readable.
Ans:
12.03
